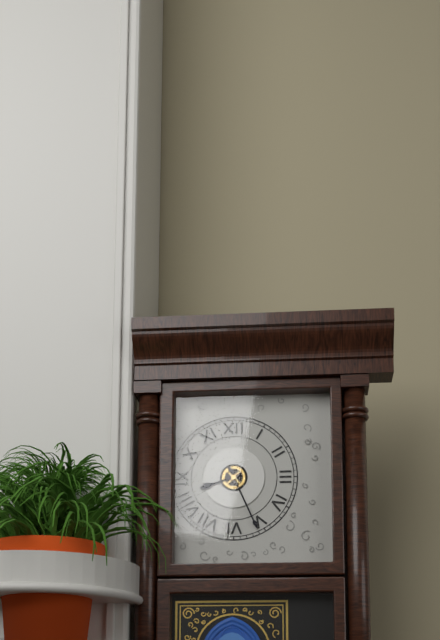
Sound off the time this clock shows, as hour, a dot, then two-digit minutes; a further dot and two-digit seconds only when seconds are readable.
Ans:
8.26
